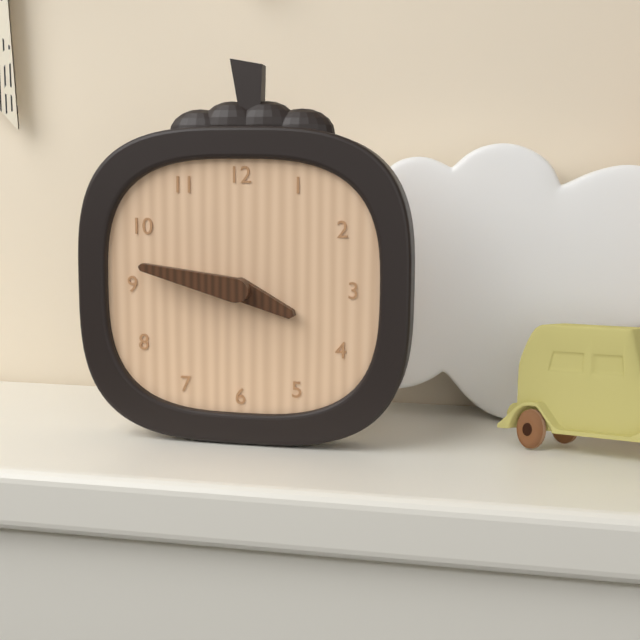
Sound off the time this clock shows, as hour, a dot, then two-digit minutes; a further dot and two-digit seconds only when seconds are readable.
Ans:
3.47
